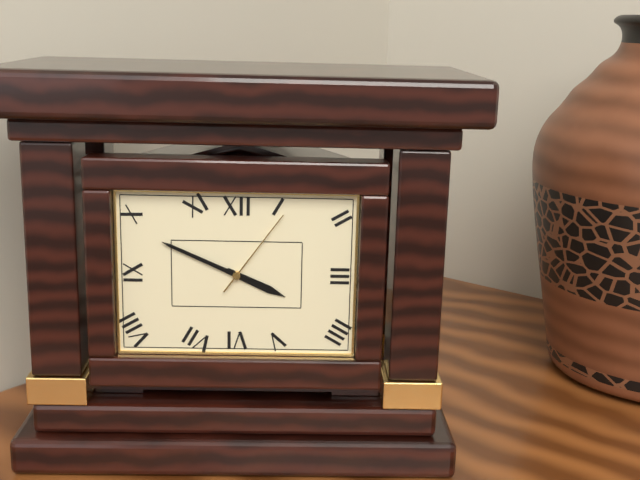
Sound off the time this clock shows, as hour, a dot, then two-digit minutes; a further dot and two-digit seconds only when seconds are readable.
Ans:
3.49.06
